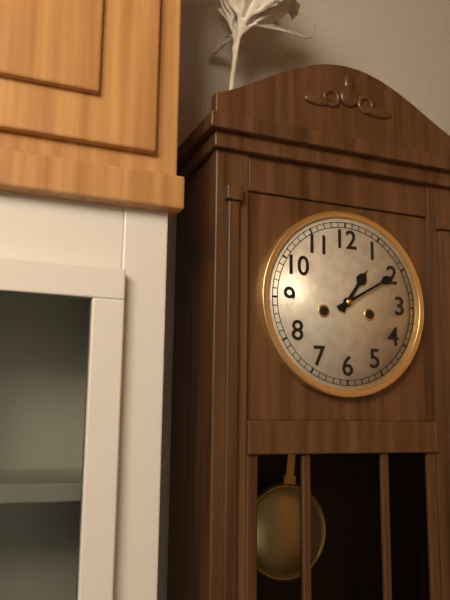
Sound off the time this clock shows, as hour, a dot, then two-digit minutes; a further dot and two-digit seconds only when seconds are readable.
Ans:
1.10
